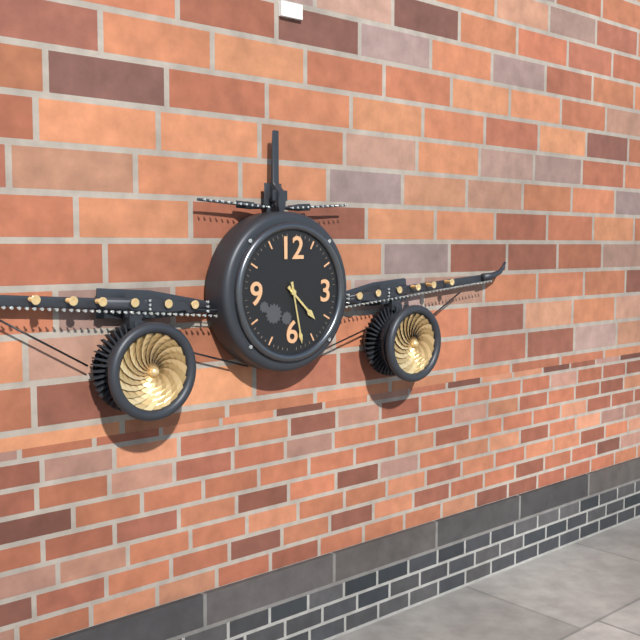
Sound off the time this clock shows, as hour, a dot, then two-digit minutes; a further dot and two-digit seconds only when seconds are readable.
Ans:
4.28
